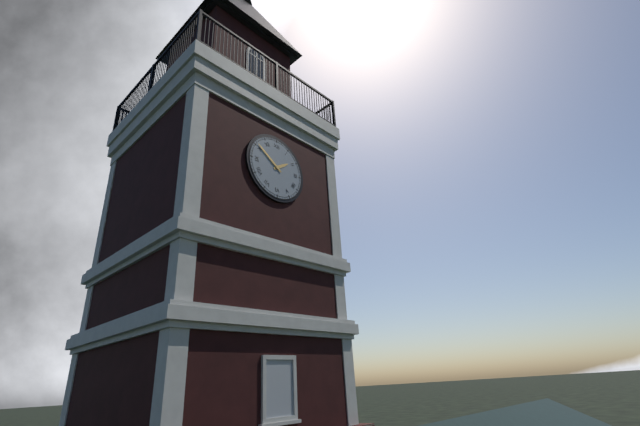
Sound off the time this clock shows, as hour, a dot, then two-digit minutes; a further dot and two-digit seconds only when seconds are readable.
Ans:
1.51
